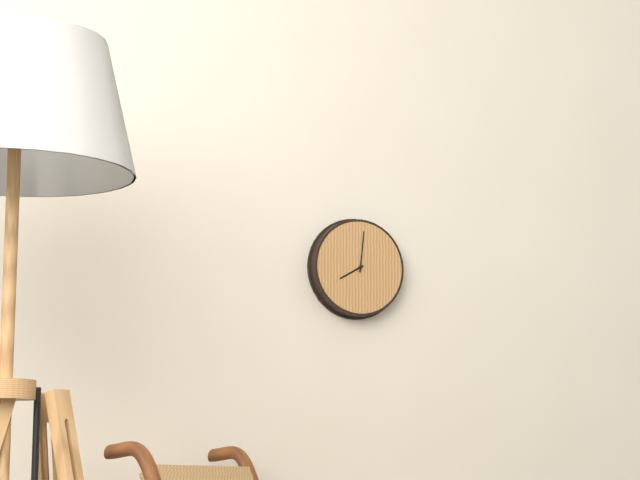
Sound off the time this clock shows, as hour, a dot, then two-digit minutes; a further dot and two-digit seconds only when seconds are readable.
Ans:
8.01
